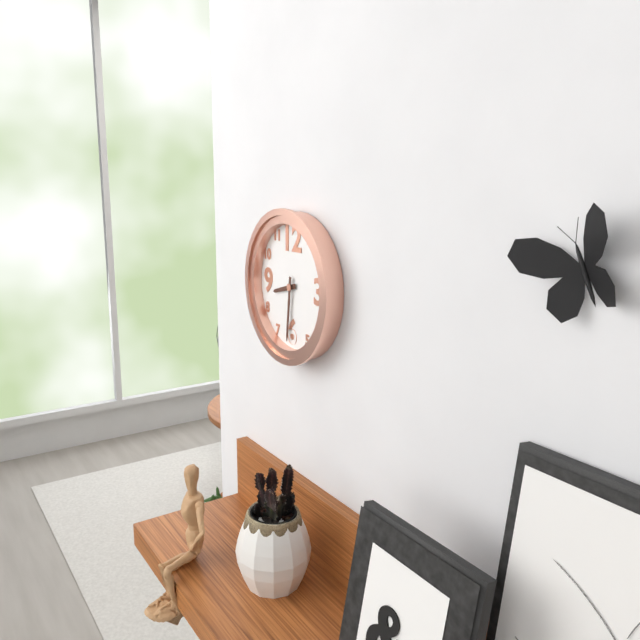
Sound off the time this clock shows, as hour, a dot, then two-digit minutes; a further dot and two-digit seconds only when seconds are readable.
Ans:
8.31
